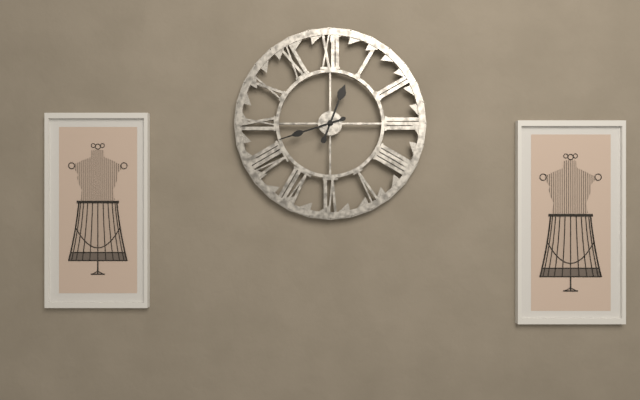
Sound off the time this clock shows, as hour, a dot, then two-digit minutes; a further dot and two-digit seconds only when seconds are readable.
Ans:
12.42
